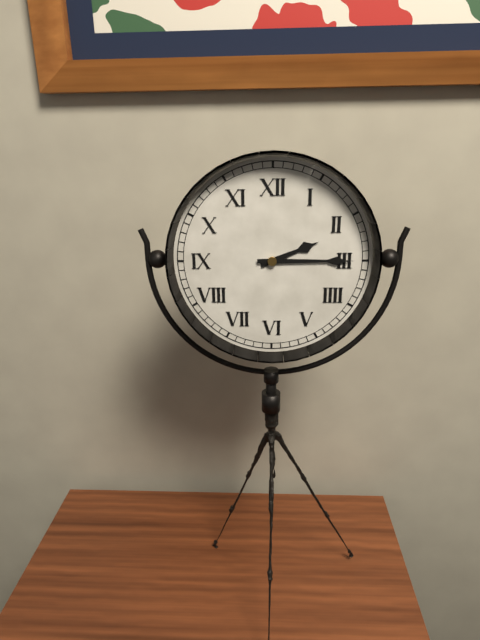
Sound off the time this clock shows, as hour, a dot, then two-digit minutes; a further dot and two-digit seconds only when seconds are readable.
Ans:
2.15
